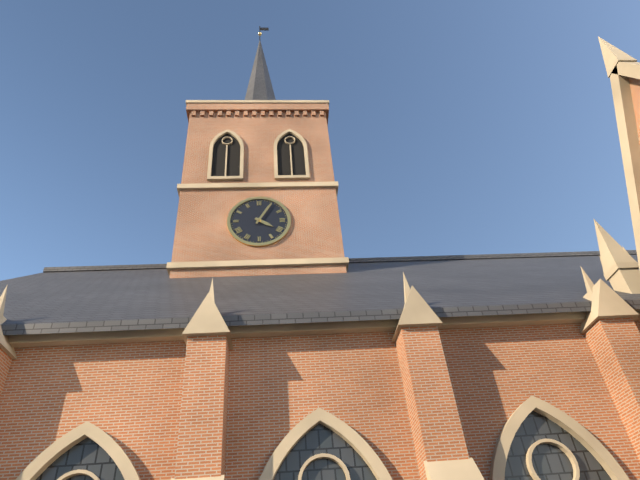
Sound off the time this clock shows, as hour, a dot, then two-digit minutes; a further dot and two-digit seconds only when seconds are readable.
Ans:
4.05
